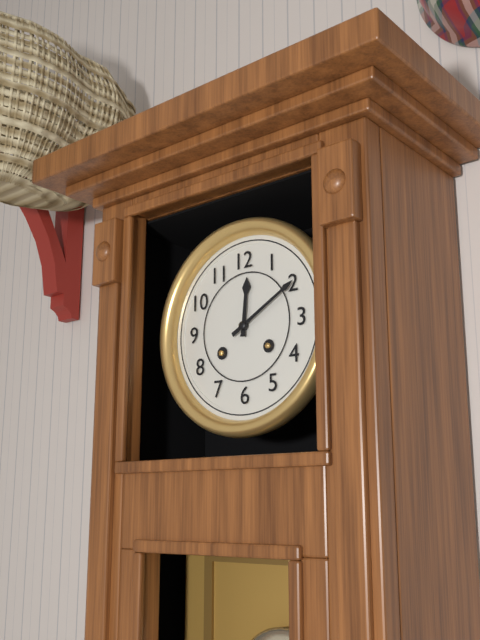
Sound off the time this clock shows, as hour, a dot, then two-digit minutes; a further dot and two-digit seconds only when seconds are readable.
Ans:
12.10
